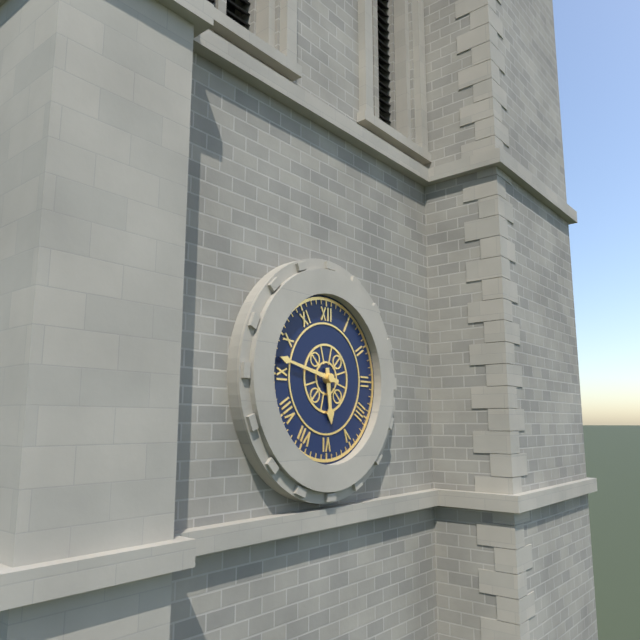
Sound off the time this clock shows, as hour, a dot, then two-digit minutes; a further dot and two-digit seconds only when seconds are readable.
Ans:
5.47
